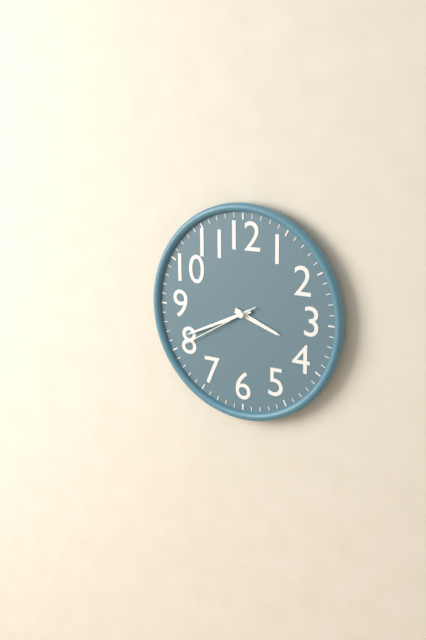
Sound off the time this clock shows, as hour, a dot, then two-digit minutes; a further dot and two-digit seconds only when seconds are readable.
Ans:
3.41.40
